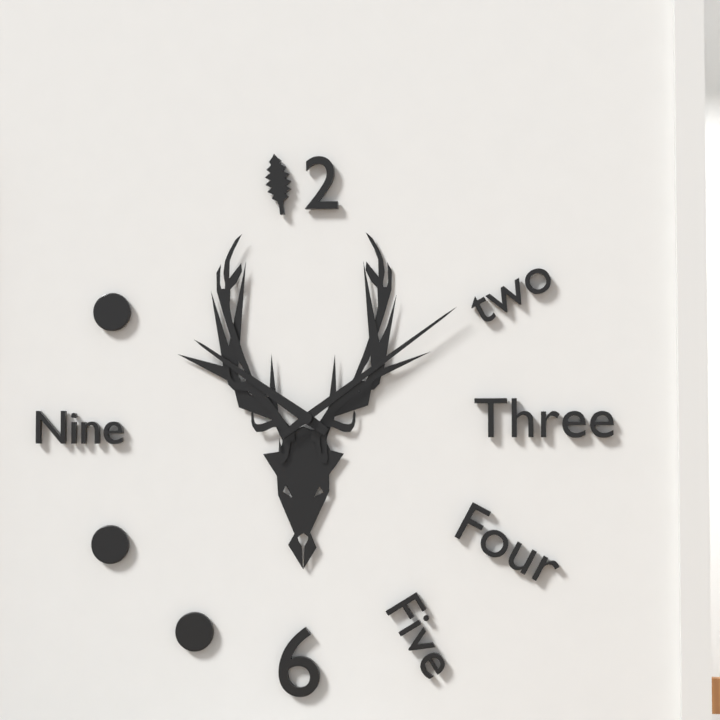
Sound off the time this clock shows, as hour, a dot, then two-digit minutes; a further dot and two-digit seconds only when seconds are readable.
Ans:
10.09
